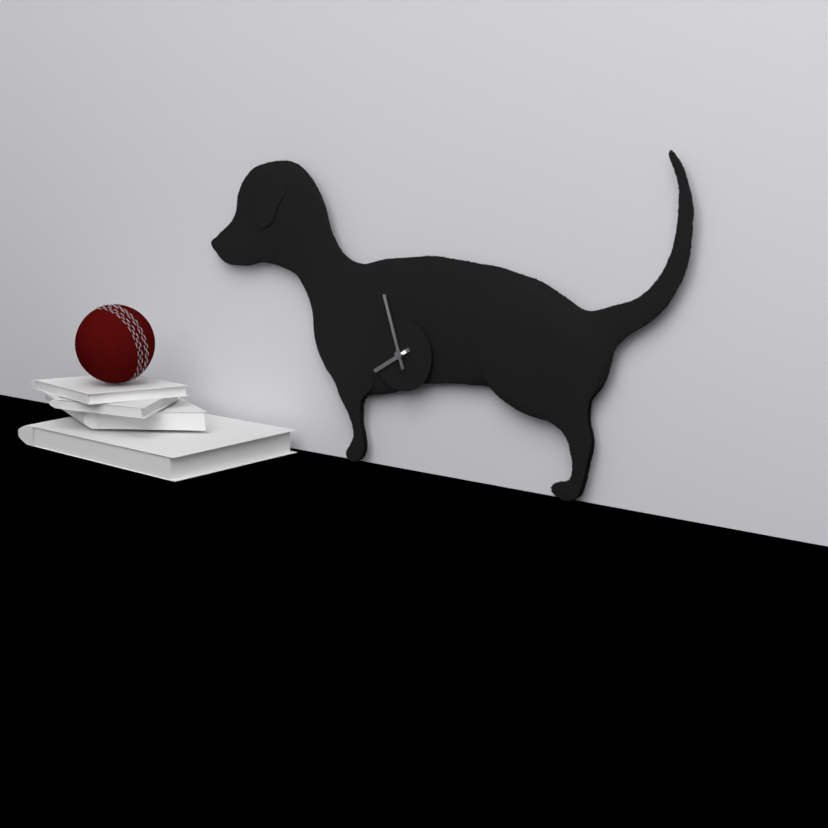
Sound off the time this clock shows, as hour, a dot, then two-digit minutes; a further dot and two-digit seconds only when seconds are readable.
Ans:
7.57
